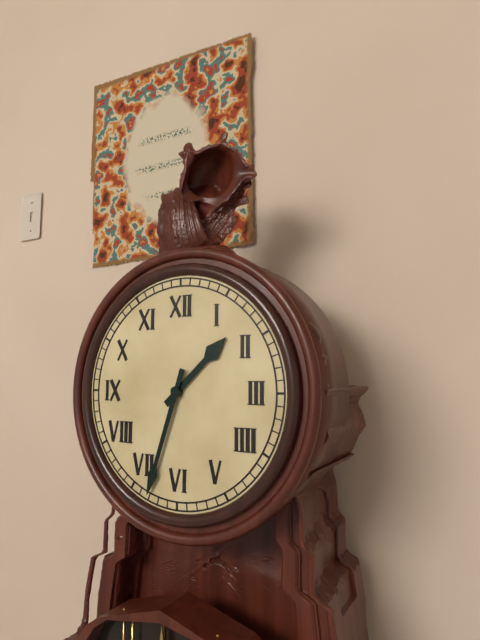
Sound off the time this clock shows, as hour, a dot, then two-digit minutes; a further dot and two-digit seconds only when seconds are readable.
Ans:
1.33
